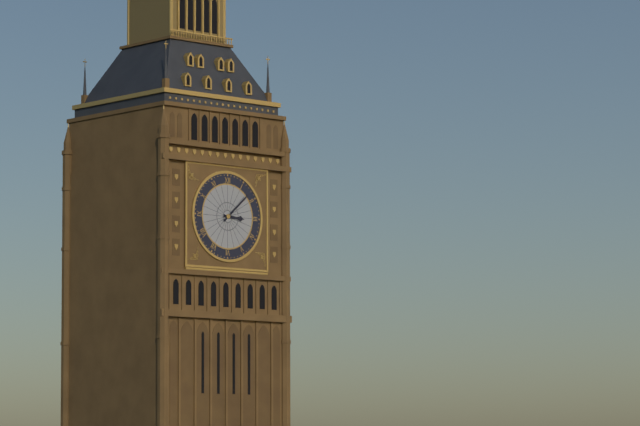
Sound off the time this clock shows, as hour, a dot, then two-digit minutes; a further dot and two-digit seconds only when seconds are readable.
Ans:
3.08
